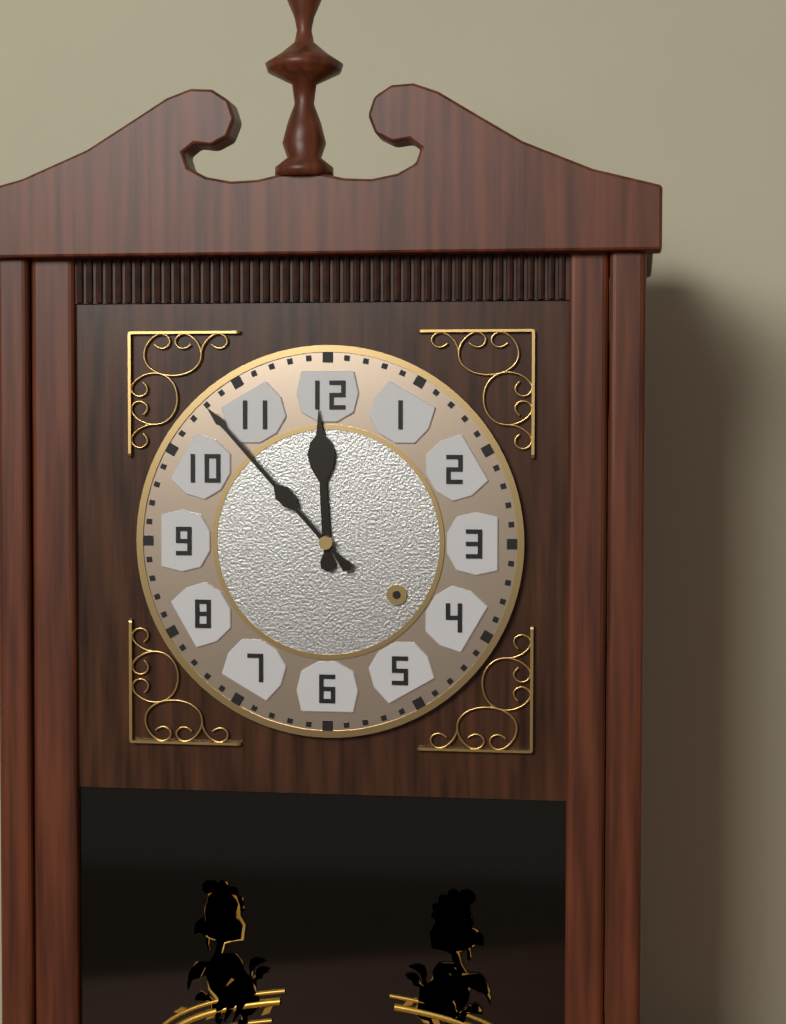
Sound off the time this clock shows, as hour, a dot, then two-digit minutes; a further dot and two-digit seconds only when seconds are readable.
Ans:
11.53
